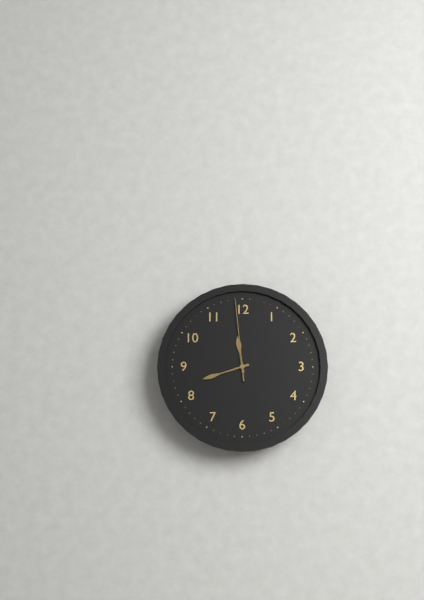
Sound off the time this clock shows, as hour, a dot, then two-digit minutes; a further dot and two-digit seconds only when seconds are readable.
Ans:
11.42.59
